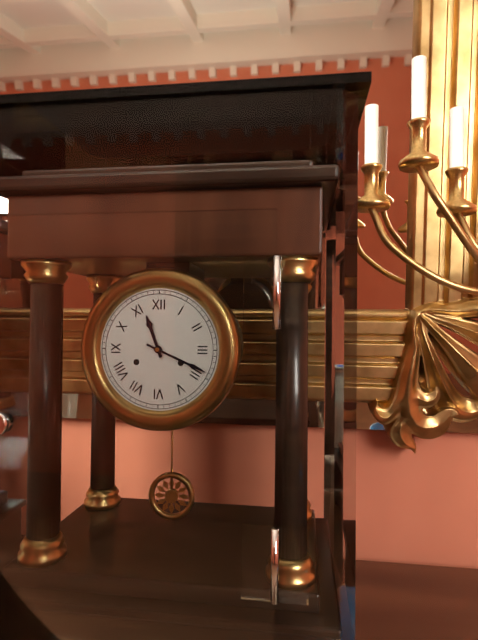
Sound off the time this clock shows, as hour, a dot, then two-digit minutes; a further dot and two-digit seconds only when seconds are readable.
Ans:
11.19
